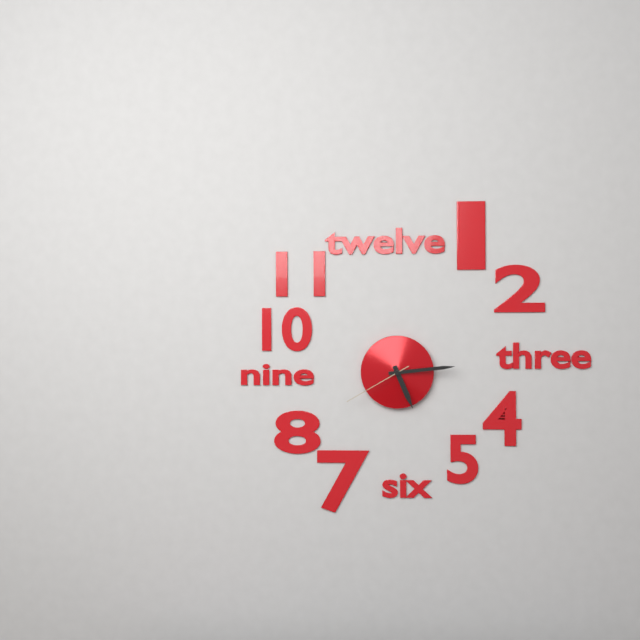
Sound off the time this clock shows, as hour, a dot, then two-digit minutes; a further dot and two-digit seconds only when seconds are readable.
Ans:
5.14.40
